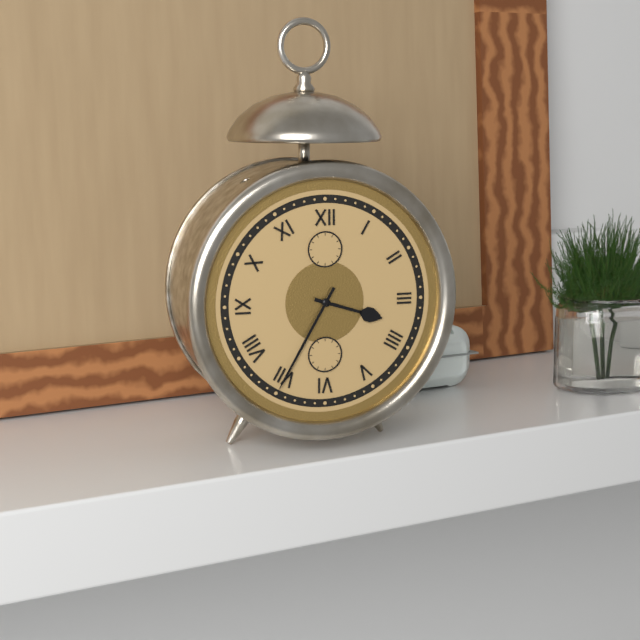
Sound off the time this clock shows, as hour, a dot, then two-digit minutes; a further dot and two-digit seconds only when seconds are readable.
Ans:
3.35
